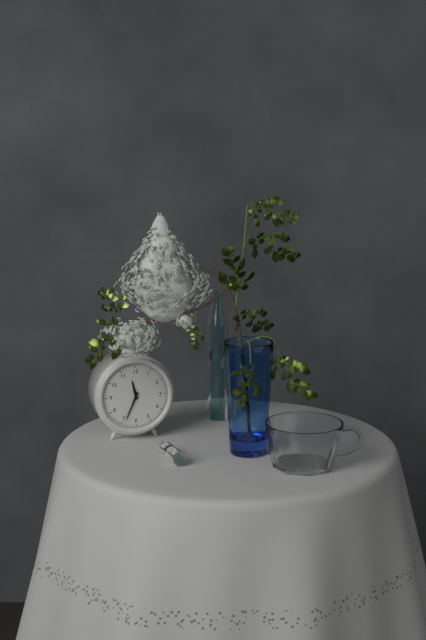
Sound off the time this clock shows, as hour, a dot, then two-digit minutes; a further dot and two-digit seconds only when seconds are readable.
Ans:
11.34
